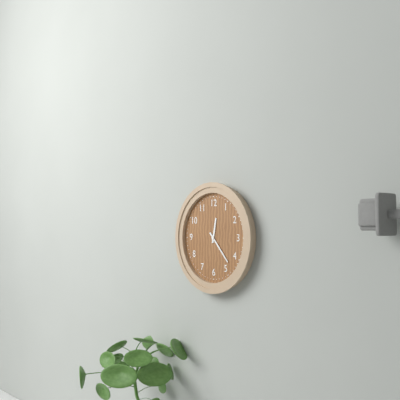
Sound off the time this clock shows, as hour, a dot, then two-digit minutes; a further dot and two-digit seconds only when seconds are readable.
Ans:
12.23
